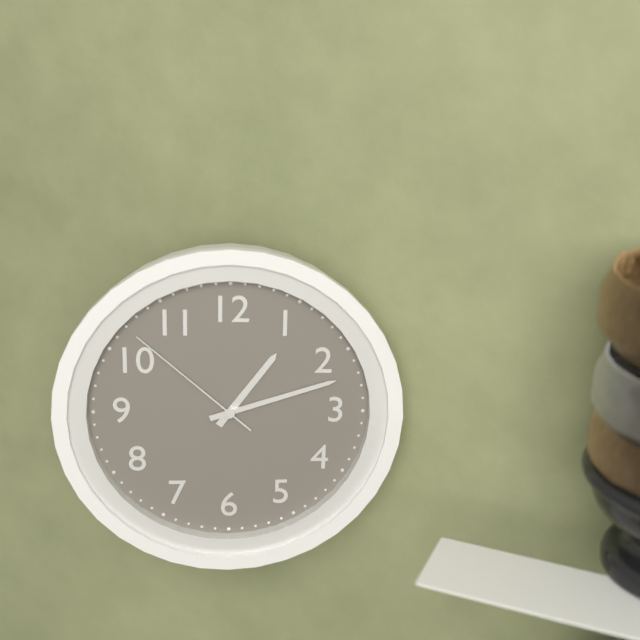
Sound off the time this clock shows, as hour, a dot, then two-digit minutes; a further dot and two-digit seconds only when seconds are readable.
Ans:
1.12.52
